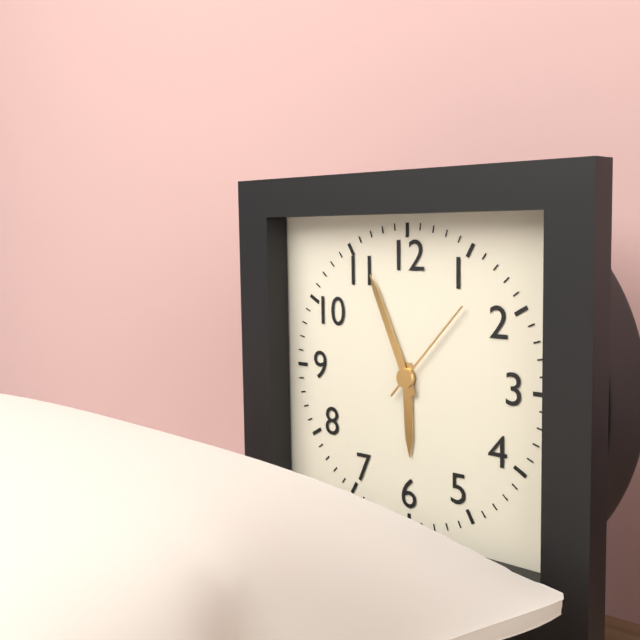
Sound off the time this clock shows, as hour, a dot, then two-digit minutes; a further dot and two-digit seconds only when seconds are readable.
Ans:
5.56.07
